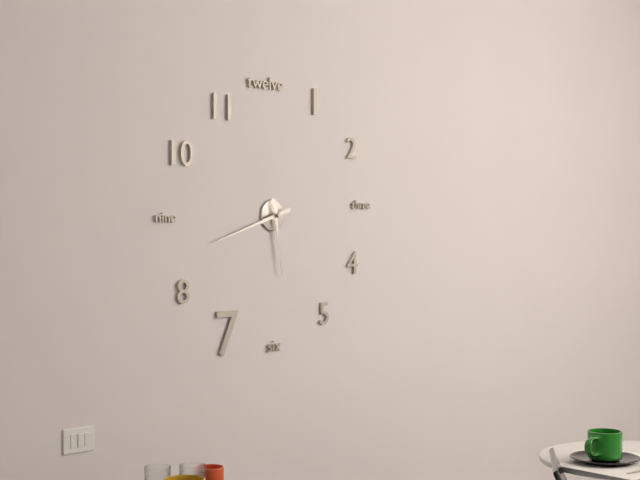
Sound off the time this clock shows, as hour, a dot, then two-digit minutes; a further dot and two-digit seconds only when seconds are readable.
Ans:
5.42
